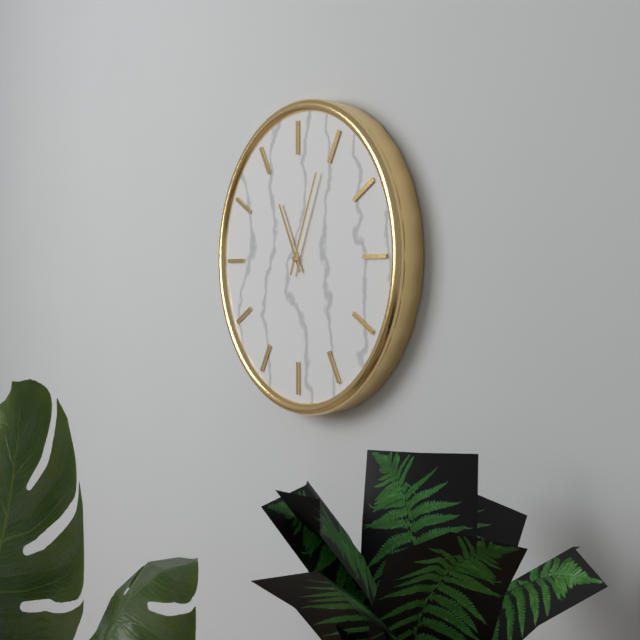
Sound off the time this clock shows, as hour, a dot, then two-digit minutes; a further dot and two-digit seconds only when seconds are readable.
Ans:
11.04
